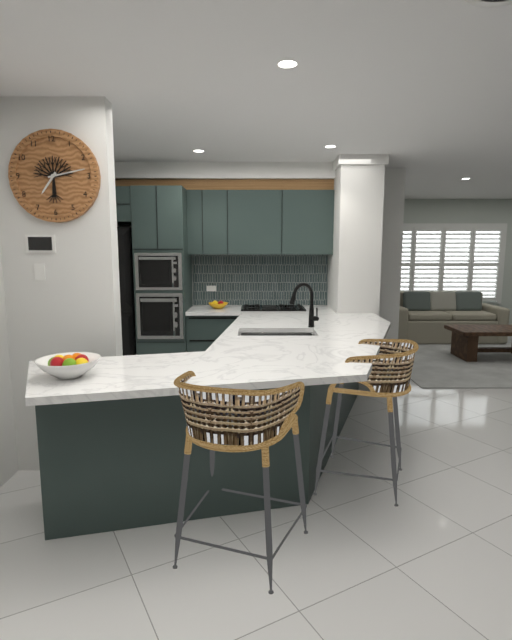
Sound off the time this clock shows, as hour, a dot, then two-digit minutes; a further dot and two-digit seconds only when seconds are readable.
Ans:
7.13
